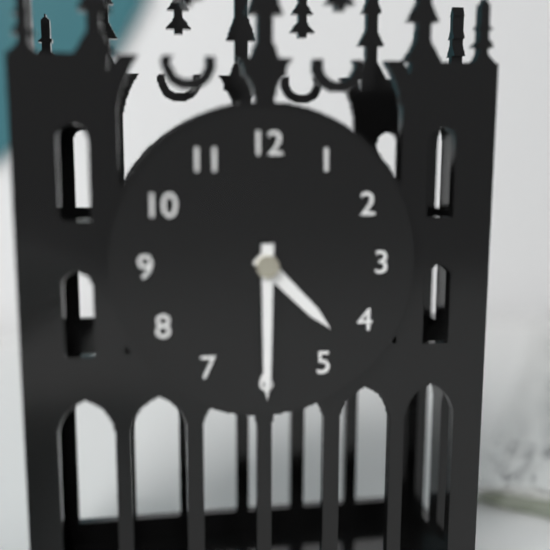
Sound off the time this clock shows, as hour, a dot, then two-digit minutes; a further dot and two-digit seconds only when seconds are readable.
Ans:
4.30
